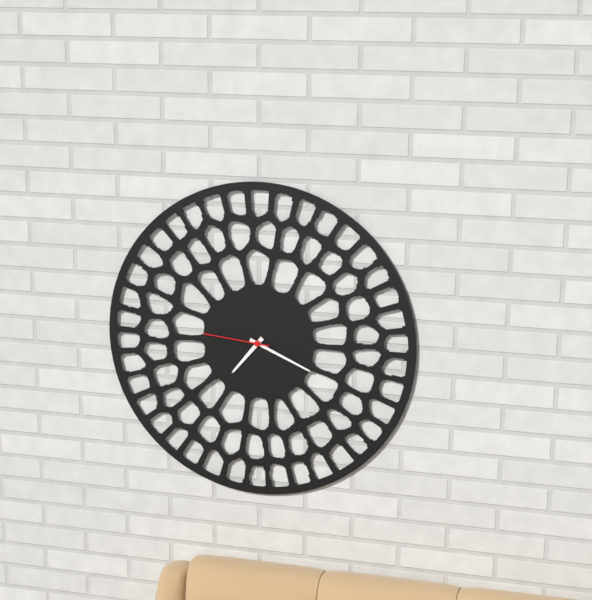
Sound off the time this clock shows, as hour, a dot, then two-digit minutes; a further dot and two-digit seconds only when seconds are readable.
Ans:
7.19.46
